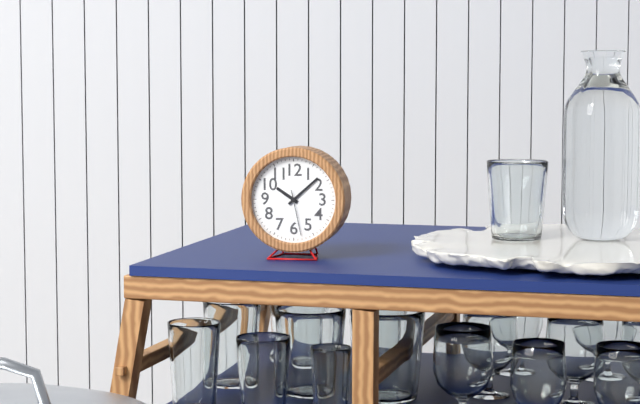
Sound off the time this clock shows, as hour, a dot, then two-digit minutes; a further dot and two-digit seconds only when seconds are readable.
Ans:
10.08
